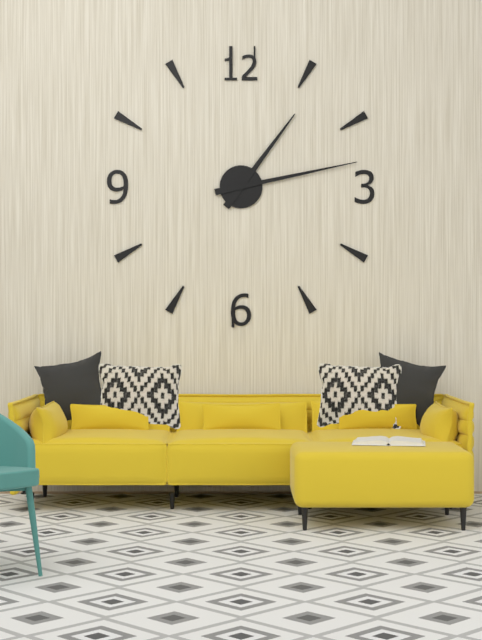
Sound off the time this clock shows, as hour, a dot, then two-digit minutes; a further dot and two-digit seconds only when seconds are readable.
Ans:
1.13
